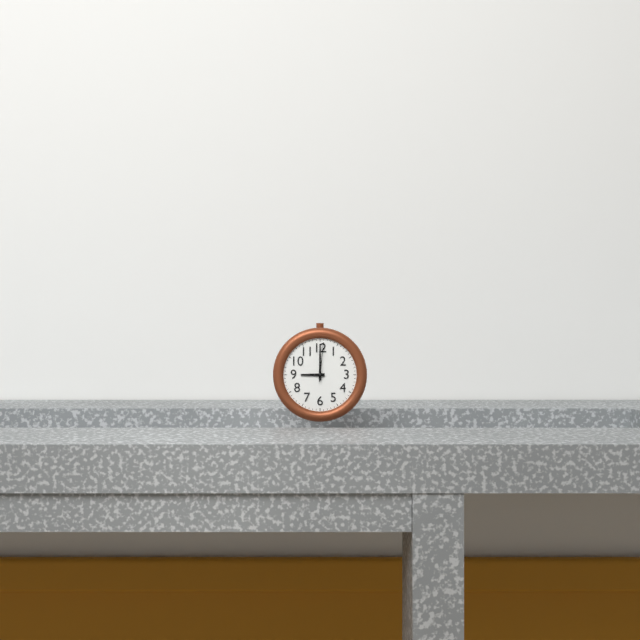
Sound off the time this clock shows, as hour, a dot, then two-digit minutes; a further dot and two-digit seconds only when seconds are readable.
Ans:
9.00
